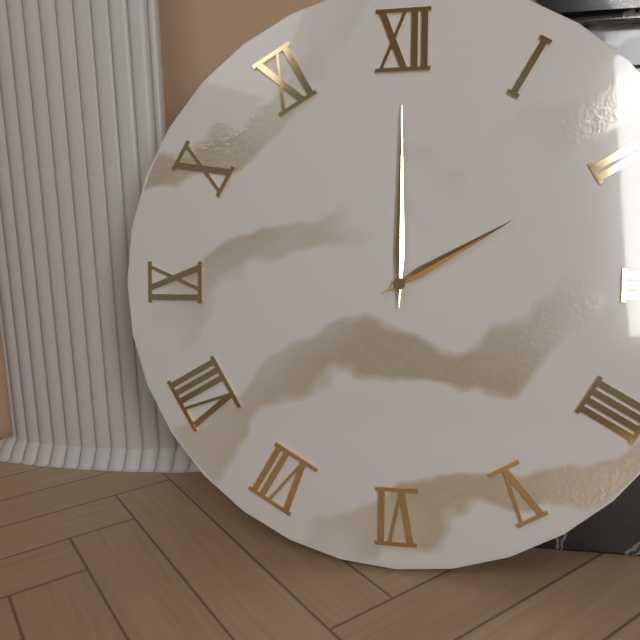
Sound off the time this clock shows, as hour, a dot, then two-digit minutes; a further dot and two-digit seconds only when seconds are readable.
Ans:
2.00
